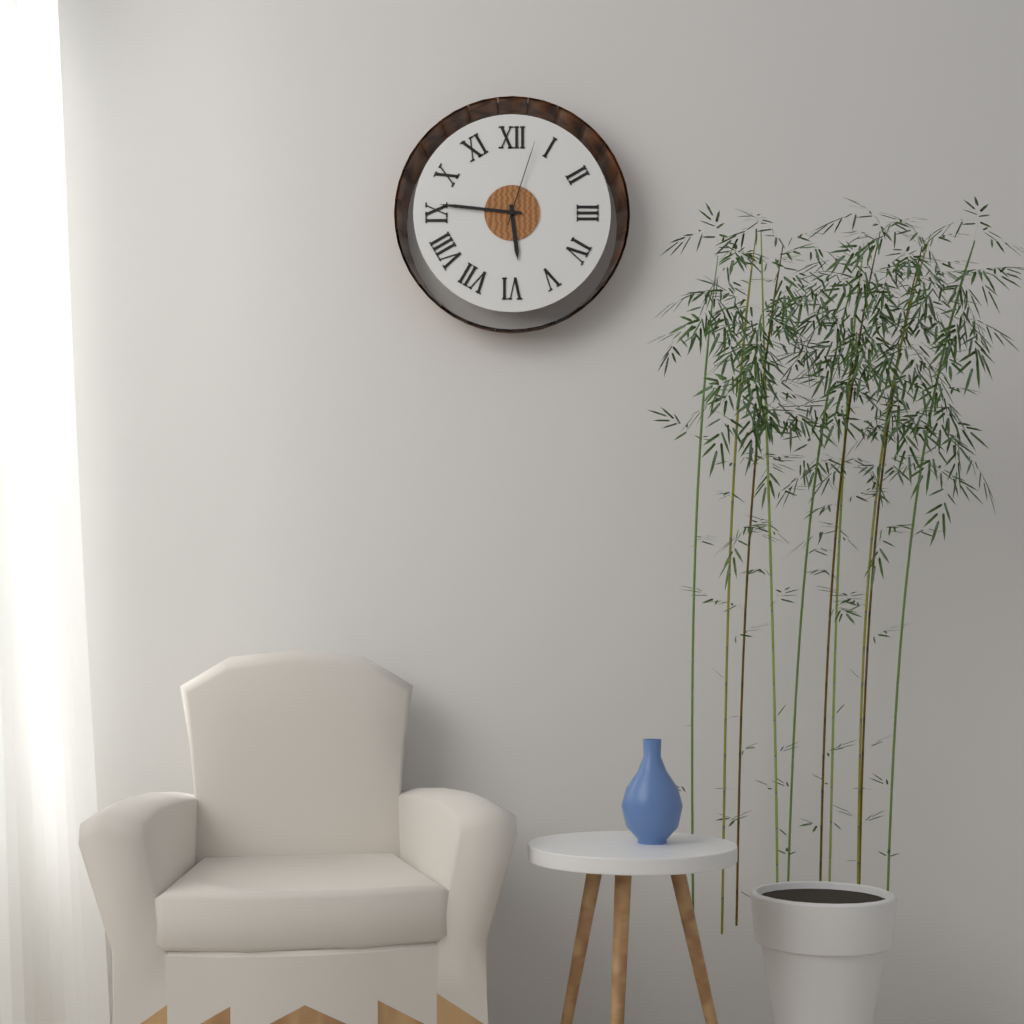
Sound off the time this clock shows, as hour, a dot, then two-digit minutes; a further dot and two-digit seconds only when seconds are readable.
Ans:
5.46.03
